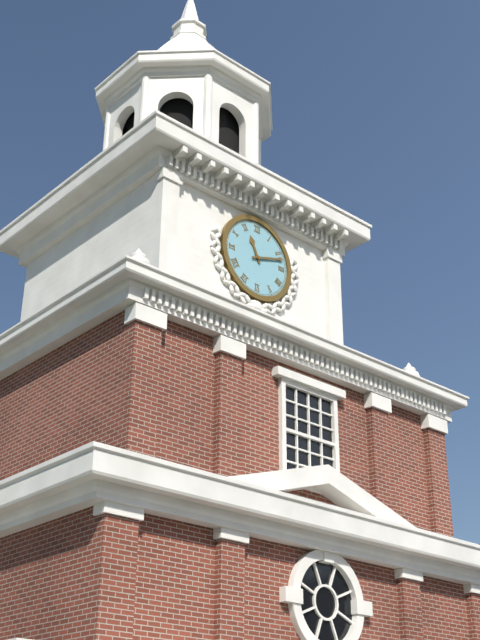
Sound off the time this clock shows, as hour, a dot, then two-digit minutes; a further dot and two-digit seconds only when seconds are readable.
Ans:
11.12
